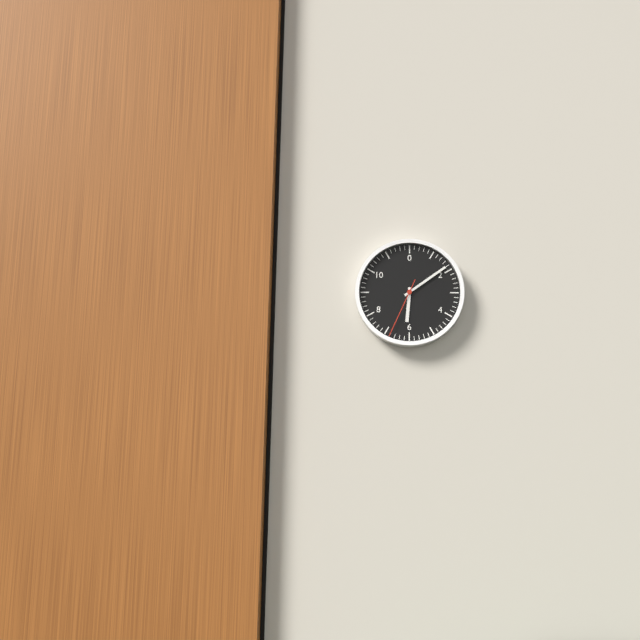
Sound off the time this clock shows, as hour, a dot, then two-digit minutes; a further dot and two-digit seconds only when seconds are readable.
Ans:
6.09.34
